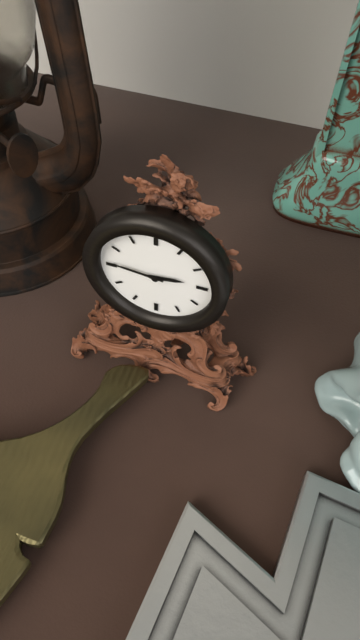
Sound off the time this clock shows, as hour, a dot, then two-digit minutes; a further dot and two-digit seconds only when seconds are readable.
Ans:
2.46
